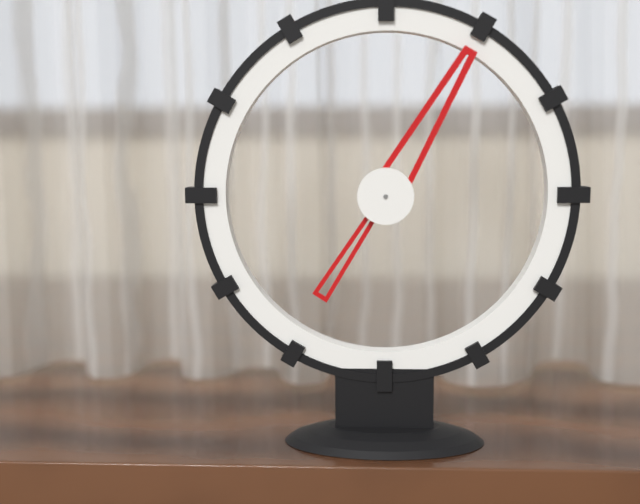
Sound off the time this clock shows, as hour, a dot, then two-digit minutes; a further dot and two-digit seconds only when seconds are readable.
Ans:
7.05
